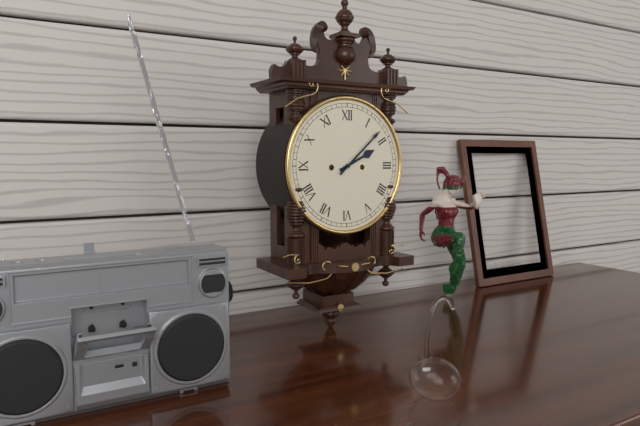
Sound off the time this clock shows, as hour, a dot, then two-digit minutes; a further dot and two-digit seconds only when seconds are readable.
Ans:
2.08
